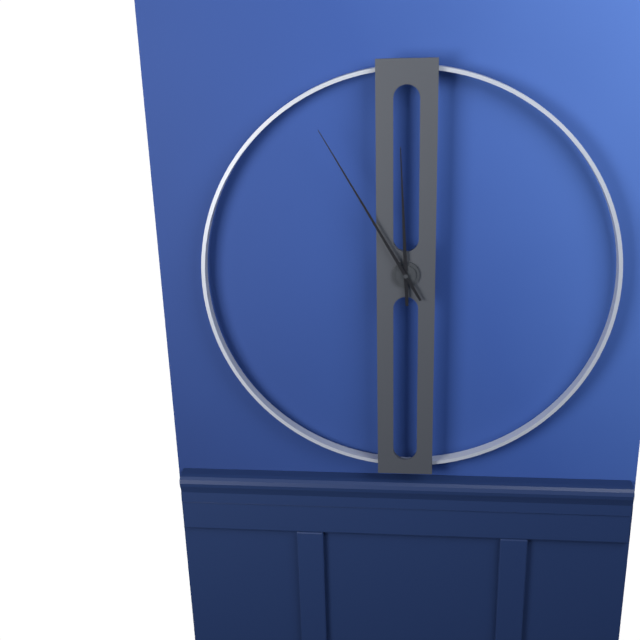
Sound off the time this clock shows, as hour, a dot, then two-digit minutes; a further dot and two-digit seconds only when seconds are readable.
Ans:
11.55
